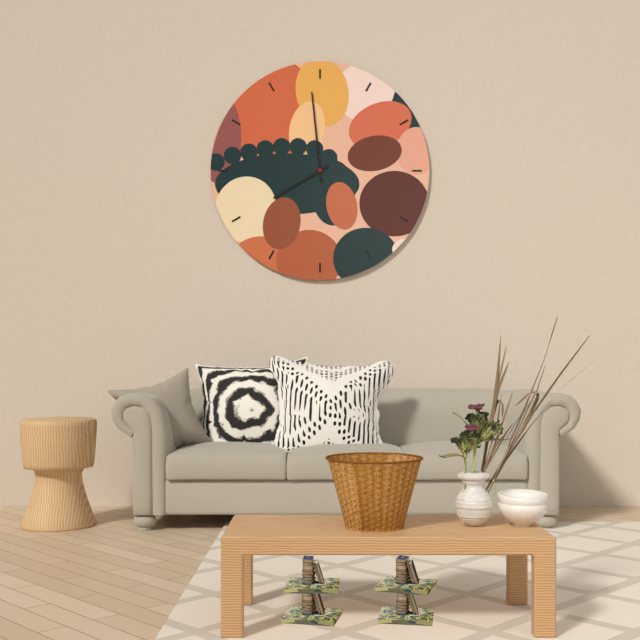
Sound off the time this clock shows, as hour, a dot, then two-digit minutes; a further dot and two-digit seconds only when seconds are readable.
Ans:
7.59
